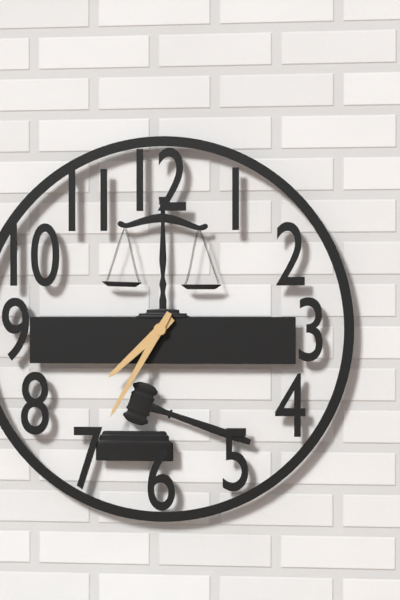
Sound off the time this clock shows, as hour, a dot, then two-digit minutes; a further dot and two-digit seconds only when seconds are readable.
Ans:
7.35
